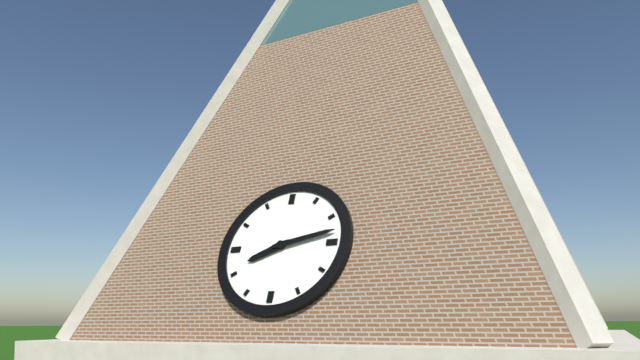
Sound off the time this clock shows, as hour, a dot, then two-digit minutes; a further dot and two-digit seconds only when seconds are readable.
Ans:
8.13
